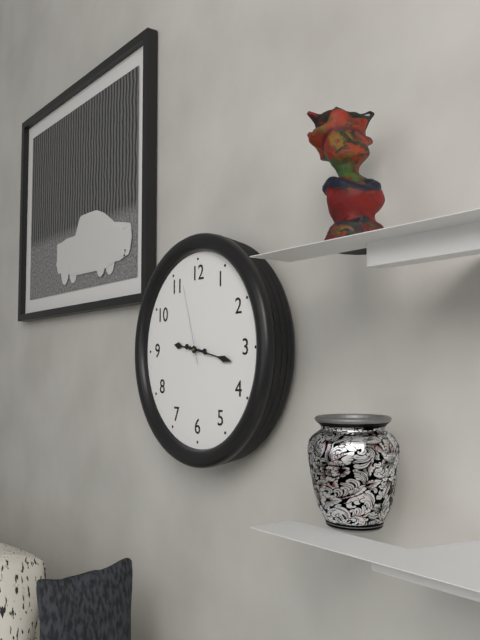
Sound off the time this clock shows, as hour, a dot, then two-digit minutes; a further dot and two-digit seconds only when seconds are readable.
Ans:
9.17.57
